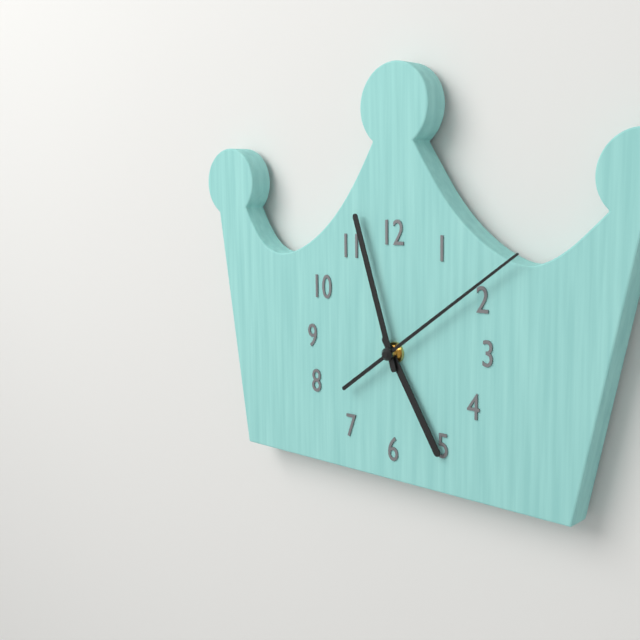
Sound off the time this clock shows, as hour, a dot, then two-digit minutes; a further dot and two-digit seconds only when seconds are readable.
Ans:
4.57.09
